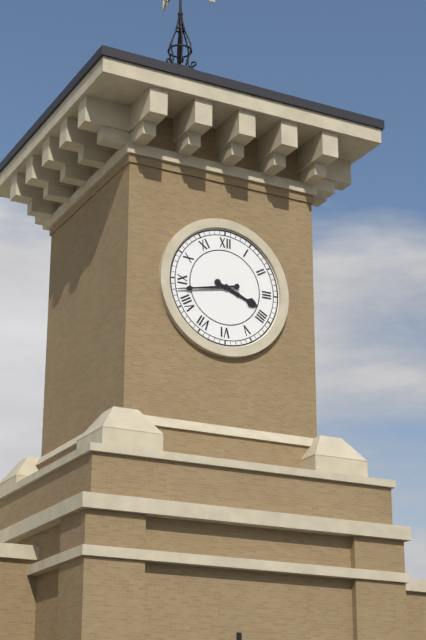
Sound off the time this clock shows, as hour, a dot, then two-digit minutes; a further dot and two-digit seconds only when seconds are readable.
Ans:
3.43
